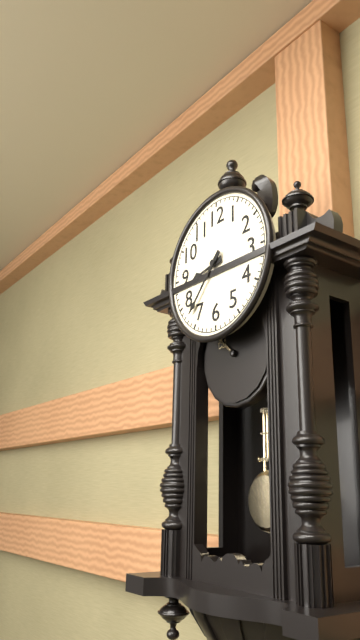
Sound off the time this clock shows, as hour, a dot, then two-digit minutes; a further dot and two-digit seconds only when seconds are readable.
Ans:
8.37
